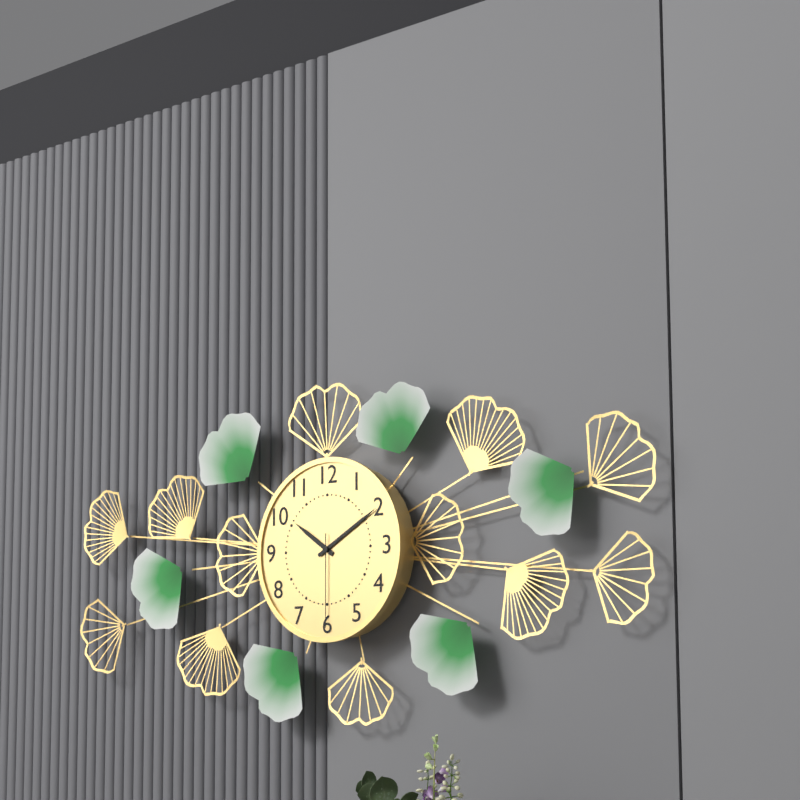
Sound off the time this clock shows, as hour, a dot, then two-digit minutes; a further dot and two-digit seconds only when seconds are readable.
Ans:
10.10.30
